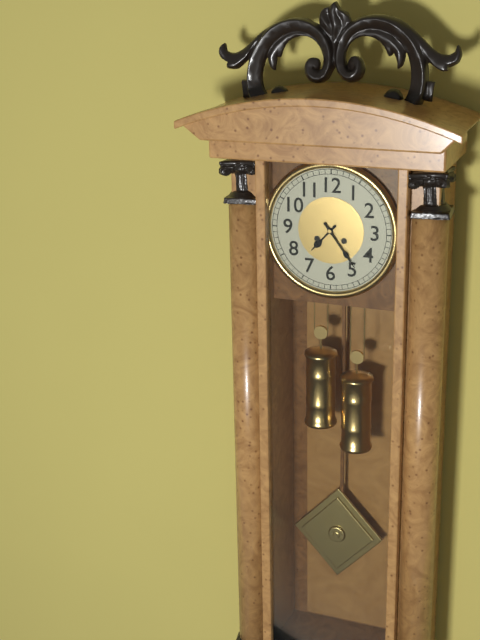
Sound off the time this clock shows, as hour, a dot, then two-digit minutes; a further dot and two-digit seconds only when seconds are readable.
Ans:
7.24
